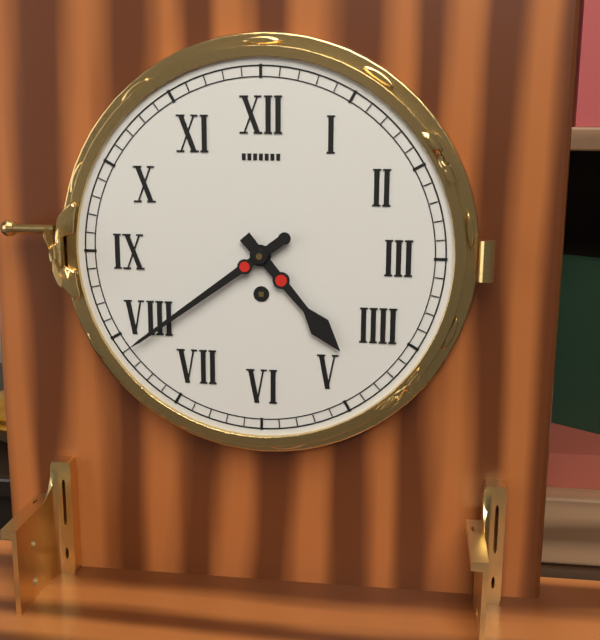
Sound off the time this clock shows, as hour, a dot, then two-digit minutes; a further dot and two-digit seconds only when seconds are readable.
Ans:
4.39
